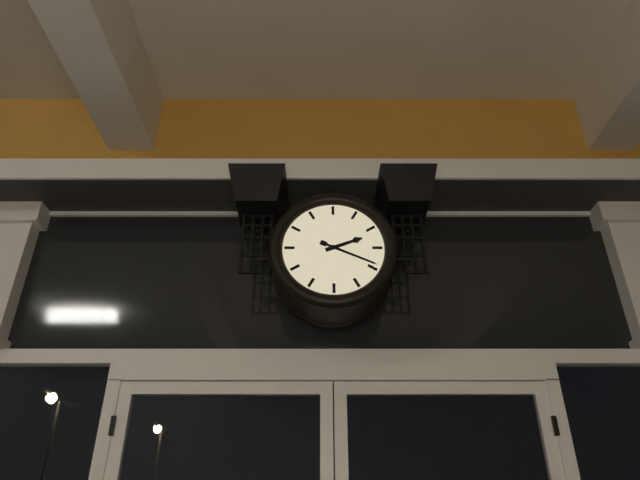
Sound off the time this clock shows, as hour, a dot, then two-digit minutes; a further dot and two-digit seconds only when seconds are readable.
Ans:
2.19
